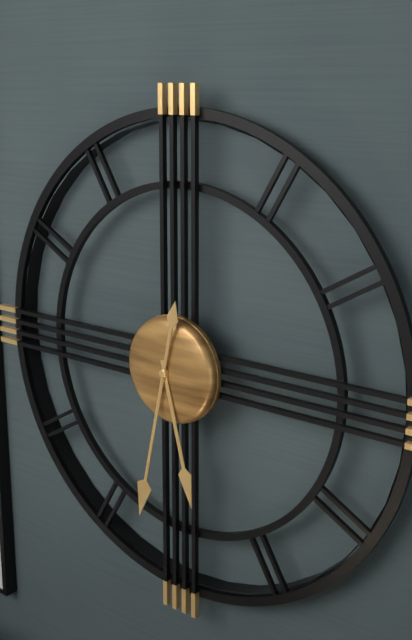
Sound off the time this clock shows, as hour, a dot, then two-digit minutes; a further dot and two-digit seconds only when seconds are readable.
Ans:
5.32
